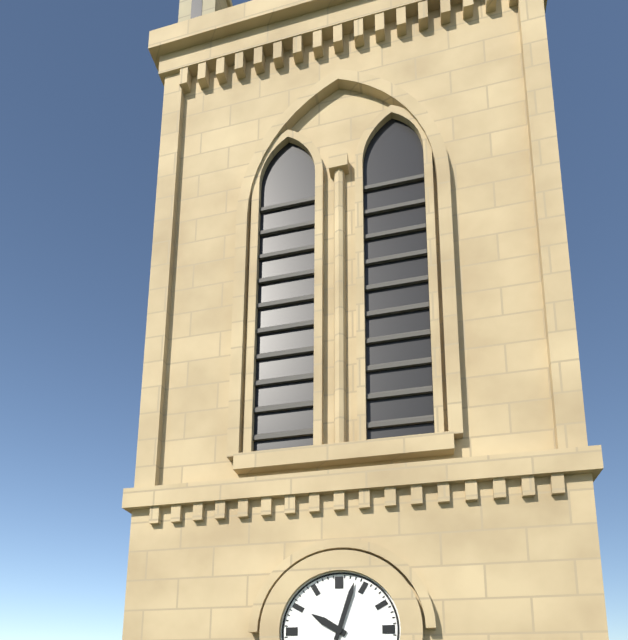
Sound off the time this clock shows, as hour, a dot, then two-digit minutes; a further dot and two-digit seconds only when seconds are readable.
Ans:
10.03
